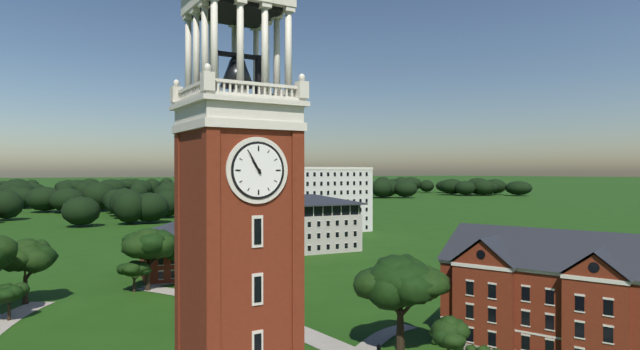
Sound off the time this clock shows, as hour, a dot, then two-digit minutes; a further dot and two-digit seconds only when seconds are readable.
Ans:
10.55
